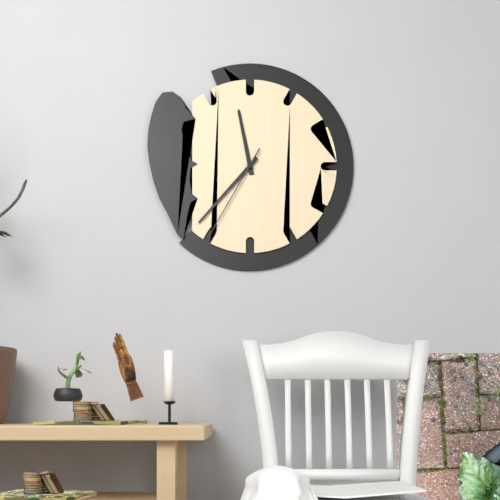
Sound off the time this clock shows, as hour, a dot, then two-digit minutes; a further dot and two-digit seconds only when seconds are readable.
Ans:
11.37.35
